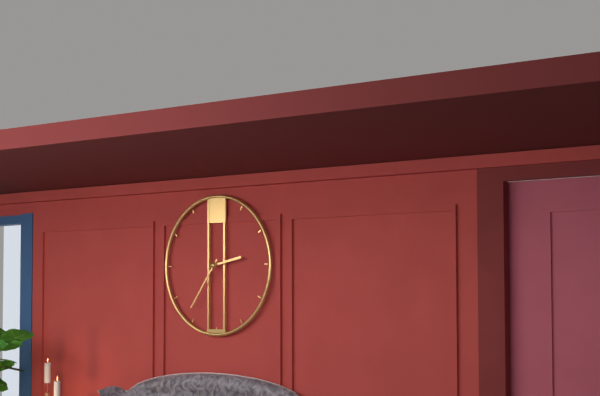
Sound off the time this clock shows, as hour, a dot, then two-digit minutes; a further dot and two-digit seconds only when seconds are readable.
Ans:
2.36
